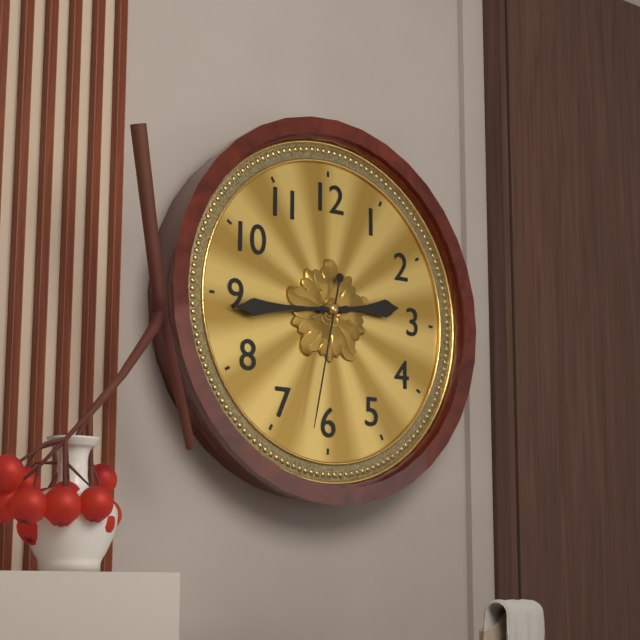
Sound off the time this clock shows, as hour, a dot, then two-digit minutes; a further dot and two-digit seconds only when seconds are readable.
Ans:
2.44.32
